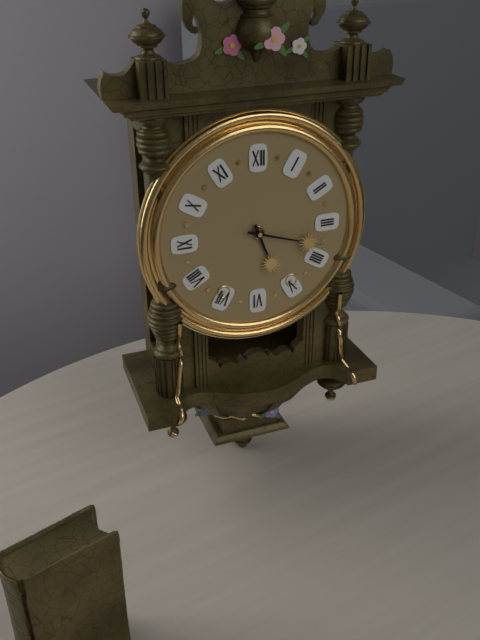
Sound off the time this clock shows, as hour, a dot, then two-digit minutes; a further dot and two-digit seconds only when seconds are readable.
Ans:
5.18
